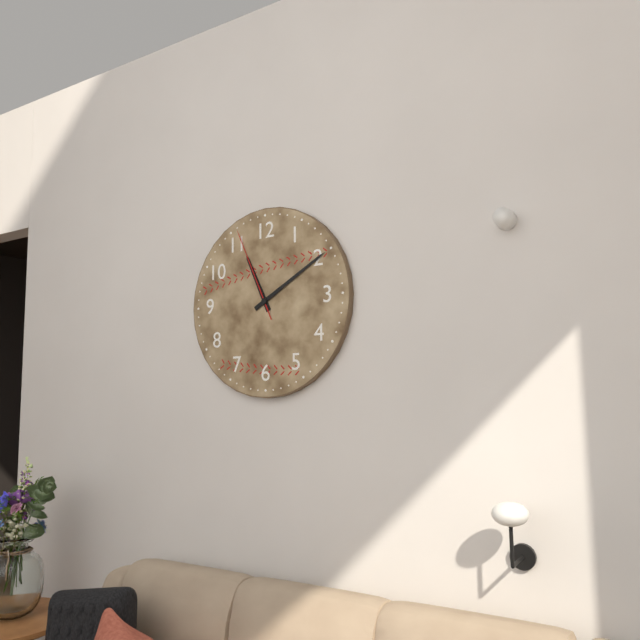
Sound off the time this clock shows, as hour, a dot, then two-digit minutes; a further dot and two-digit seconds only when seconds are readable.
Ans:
11.10.56
